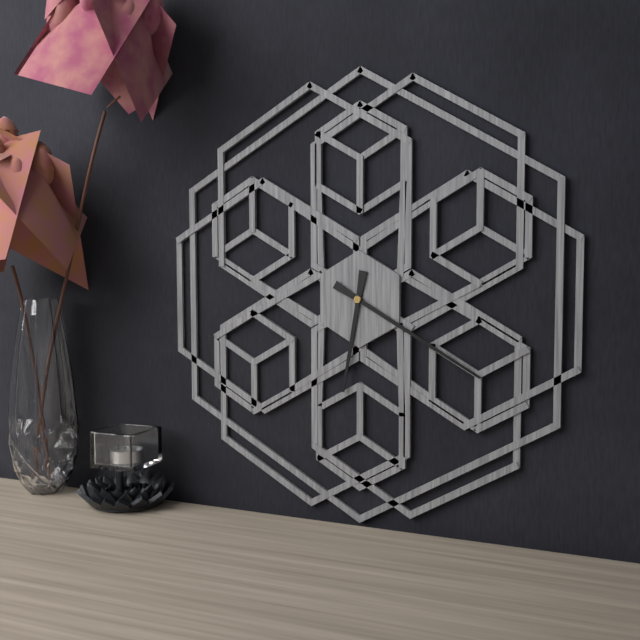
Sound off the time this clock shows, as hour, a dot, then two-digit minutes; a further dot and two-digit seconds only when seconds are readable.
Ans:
6.20
